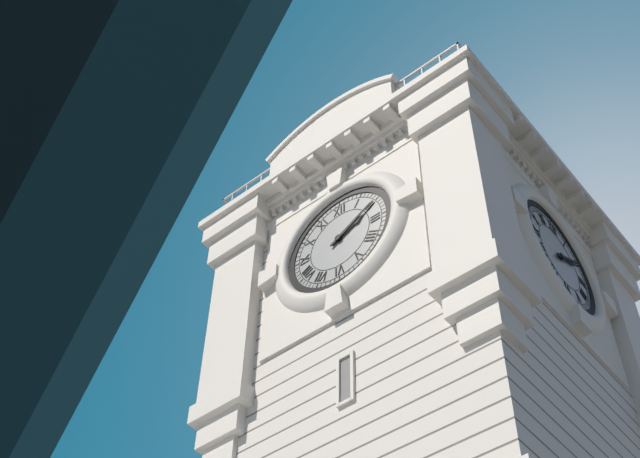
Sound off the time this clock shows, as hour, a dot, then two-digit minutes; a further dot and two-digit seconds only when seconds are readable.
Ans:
2.10
